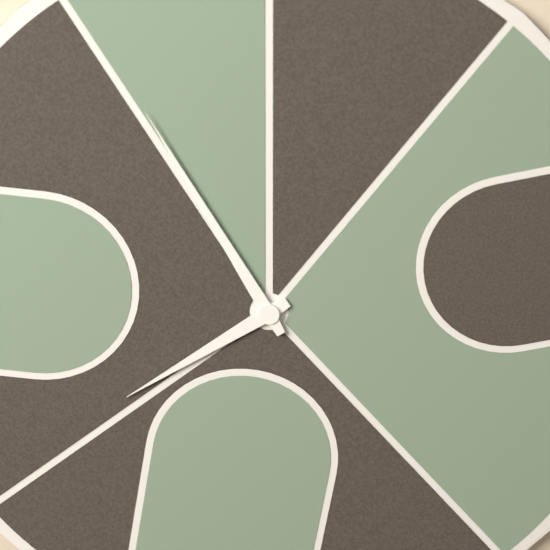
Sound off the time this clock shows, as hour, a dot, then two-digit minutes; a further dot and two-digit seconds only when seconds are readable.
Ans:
7.55
